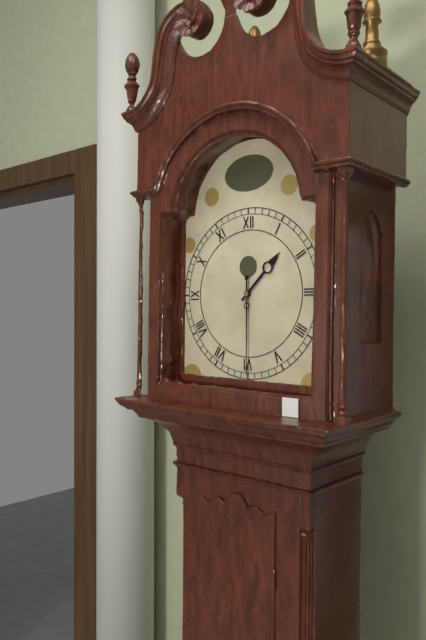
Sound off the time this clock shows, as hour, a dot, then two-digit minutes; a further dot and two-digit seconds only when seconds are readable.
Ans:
1.30
